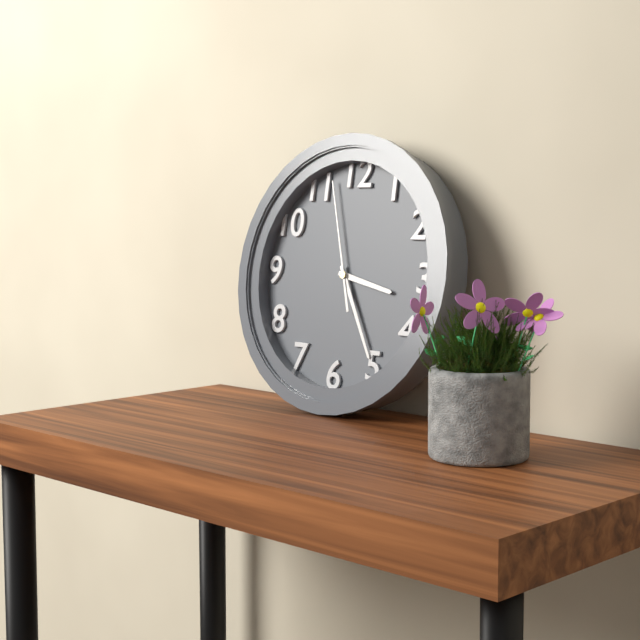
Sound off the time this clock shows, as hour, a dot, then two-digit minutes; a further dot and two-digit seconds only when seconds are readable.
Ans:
3.25.57
